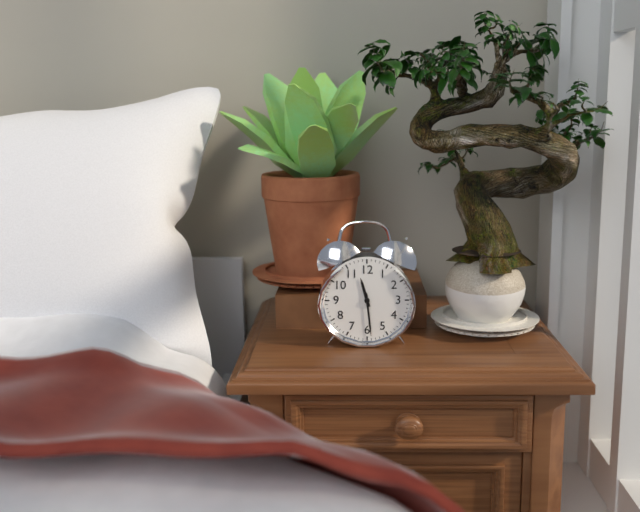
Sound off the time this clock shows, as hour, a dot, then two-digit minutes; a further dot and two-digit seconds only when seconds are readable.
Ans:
11.29
